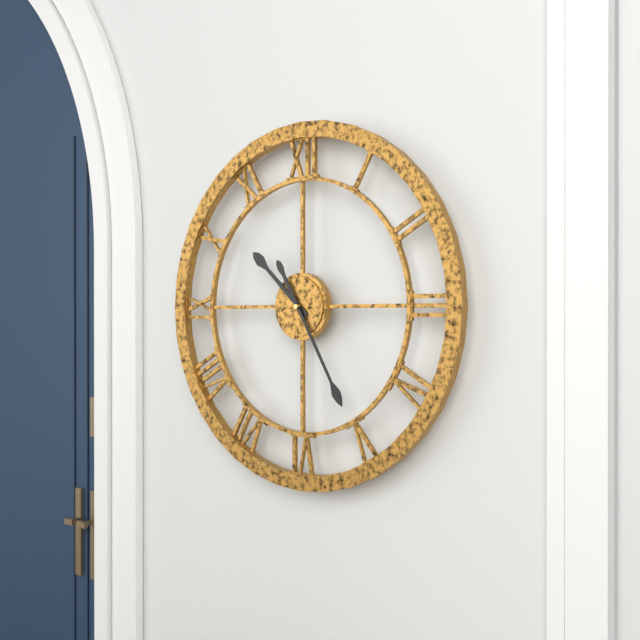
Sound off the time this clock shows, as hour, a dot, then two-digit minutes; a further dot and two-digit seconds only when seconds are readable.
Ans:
10.25
